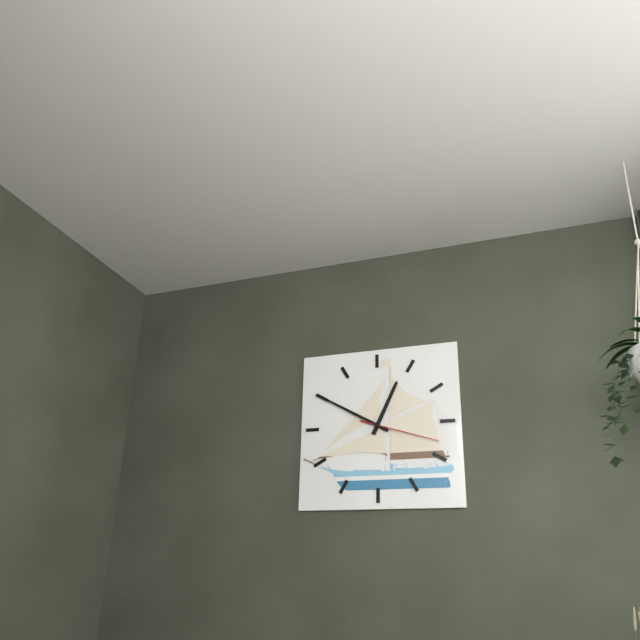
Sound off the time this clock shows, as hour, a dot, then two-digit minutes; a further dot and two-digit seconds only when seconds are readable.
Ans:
12.50.18
